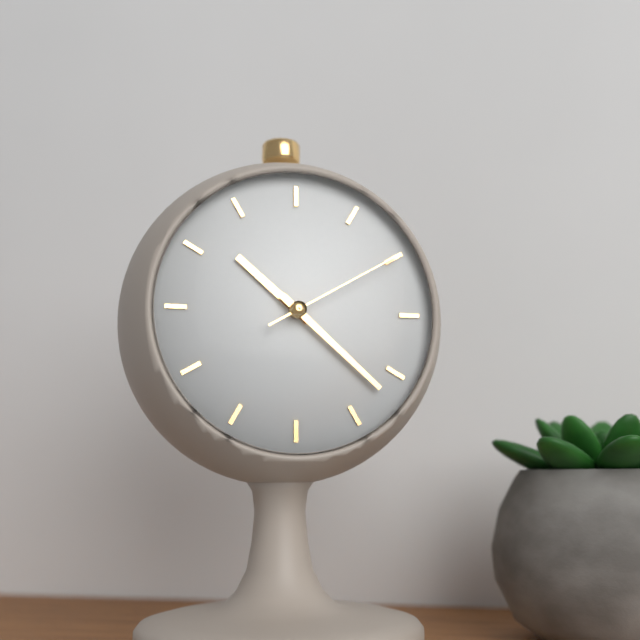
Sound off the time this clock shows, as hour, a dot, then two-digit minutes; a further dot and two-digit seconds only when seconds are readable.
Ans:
10.22.10
